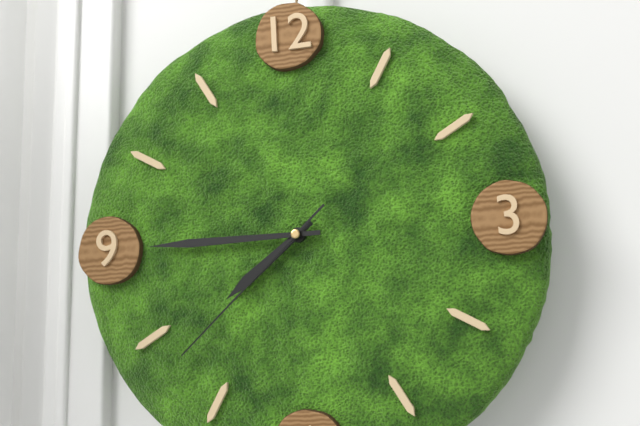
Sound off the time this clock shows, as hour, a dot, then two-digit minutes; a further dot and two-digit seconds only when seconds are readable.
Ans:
7.45.38
